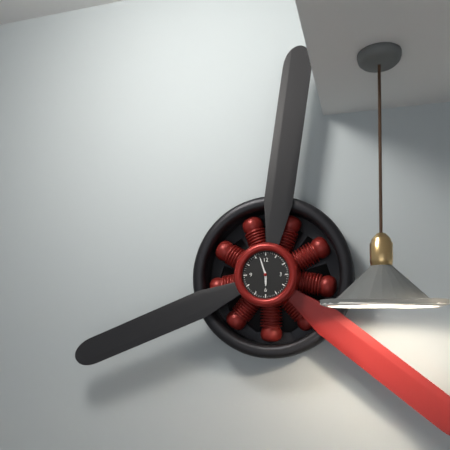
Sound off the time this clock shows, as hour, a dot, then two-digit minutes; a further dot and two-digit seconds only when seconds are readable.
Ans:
5.57
